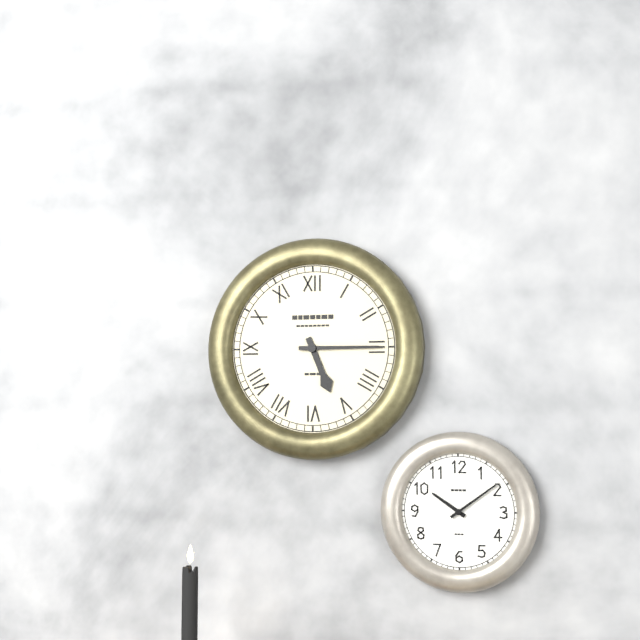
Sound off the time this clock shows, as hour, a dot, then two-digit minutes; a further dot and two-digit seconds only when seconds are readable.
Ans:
5.15
